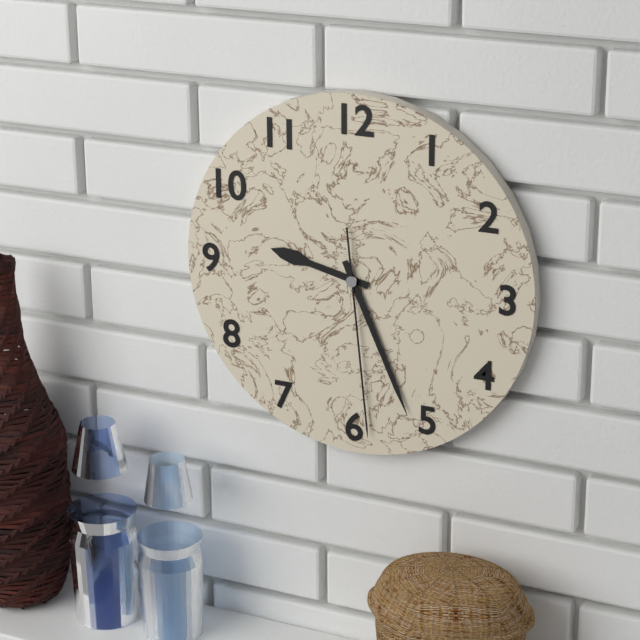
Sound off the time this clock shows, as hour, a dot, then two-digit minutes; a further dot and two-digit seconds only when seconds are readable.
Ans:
9.26.29
